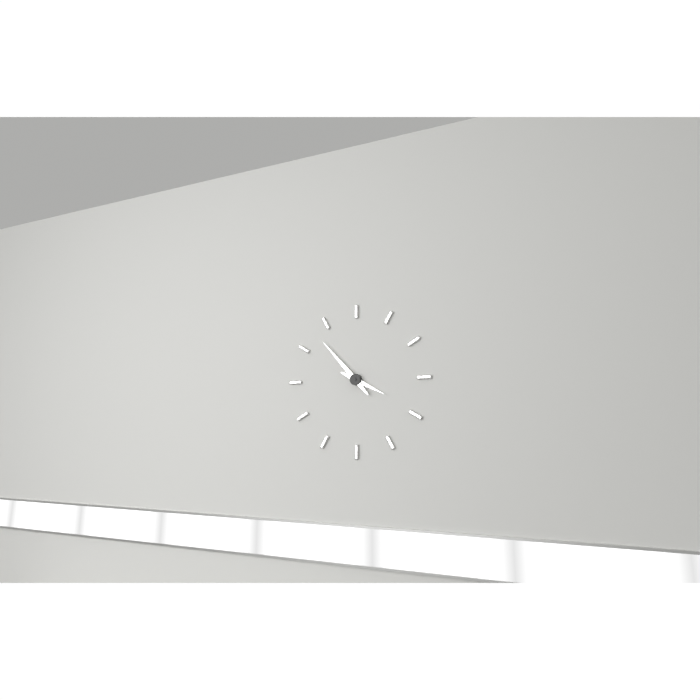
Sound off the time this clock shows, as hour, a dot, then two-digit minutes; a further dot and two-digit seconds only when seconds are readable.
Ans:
3.53
